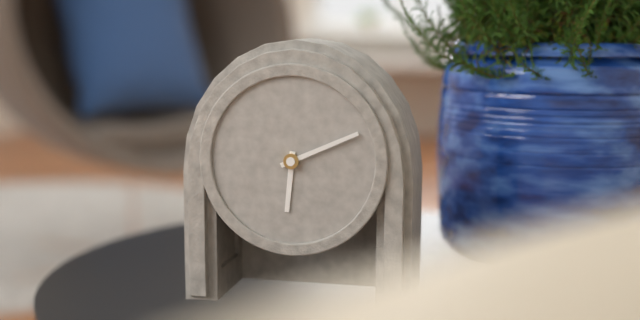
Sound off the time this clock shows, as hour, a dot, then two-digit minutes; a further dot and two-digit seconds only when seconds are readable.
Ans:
6.11
